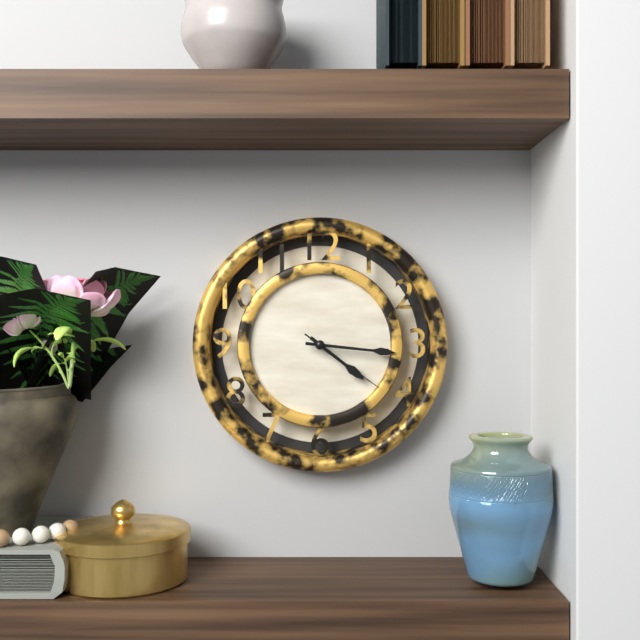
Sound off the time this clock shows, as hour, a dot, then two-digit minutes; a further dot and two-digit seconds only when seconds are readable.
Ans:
4.16.21
